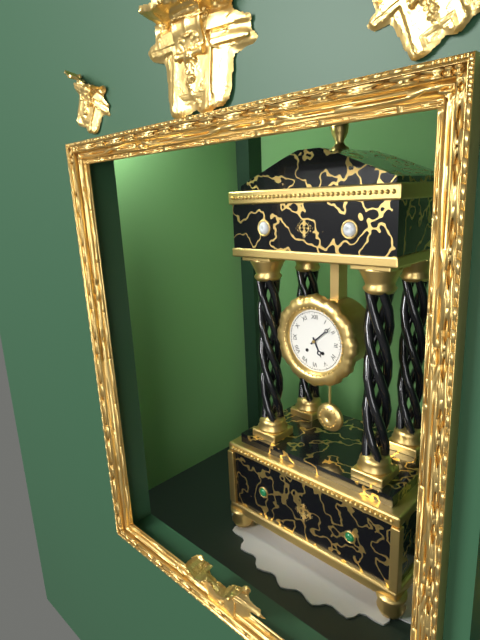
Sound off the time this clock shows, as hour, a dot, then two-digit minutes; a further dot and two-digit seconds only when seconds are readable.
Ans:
5.08
